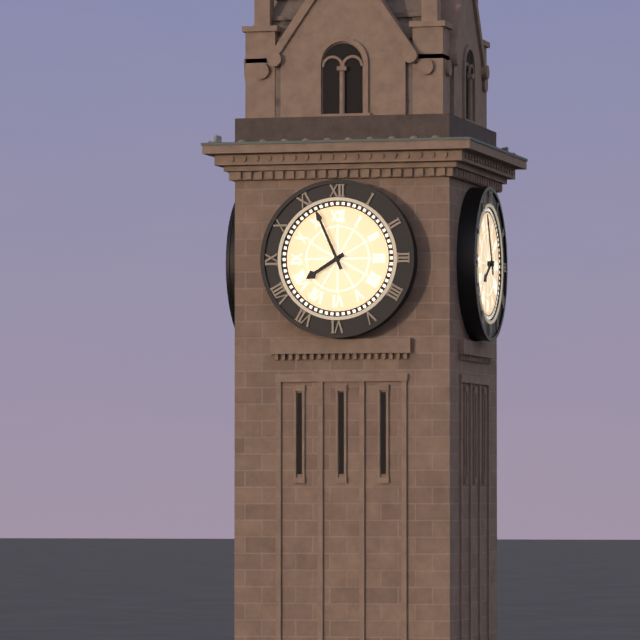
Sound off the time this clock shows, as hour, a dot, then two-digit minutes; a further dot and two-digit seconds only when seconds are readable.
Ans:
7.56
